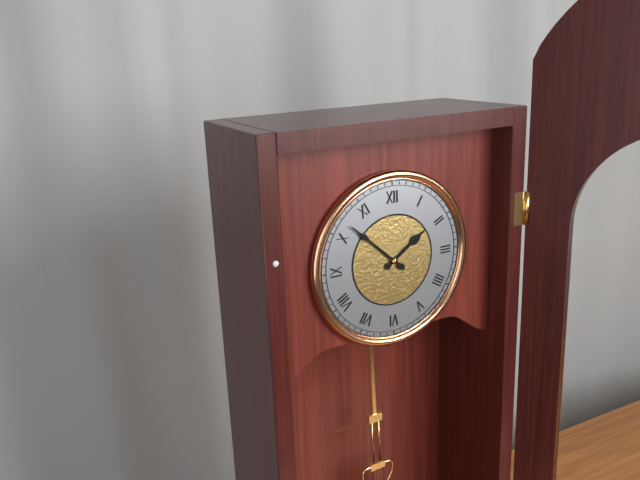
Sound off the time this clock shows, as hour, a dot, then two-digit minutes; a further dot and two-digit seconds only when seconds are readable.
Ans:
1.52
